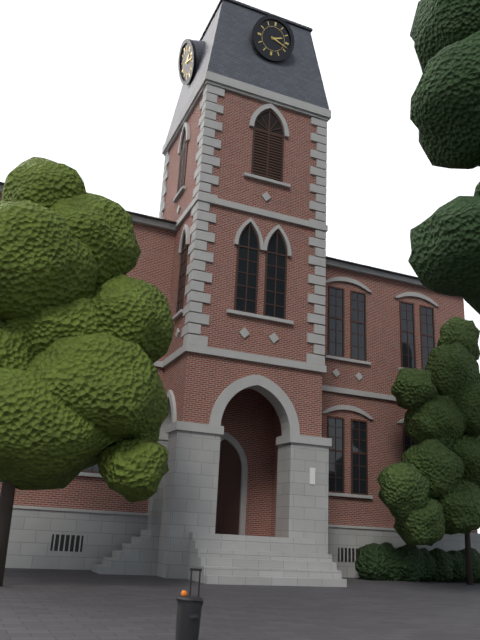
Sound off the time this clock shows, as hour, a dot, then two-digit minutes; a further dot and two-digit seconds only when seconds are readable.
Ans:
2.18
